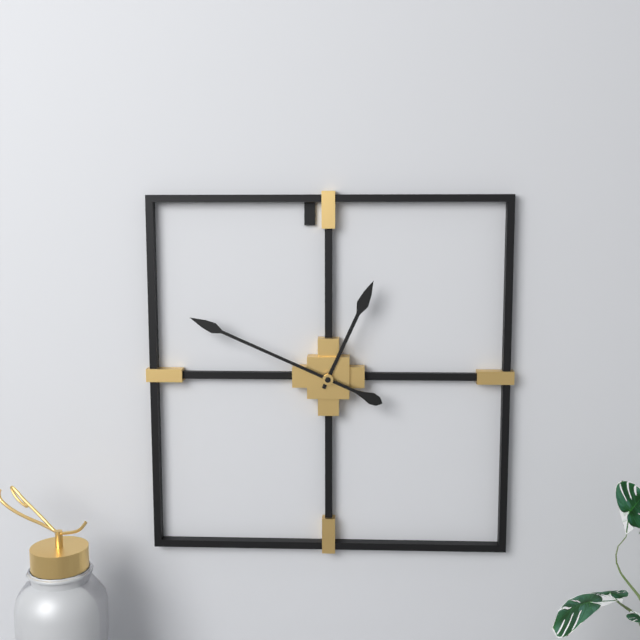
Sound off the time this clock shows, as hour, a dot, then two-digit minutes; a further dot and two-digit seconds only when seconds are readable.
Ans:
12.49
